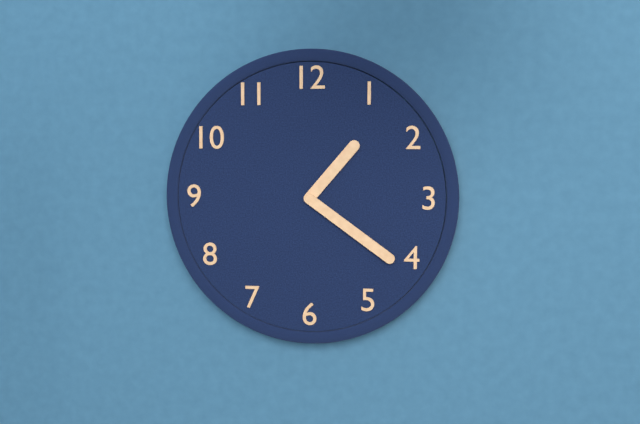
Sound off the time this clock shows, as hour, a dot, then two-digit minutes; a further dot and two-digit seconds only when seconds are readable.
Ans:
1.21
